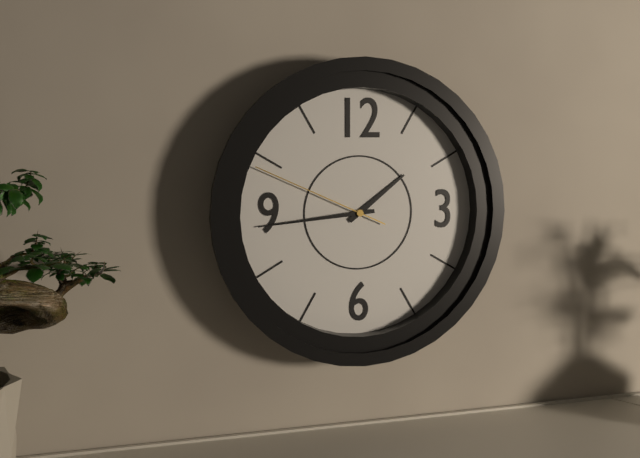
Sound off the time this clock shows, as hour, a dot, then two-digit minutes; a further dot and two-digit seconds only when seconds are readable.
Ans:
1.44.49
